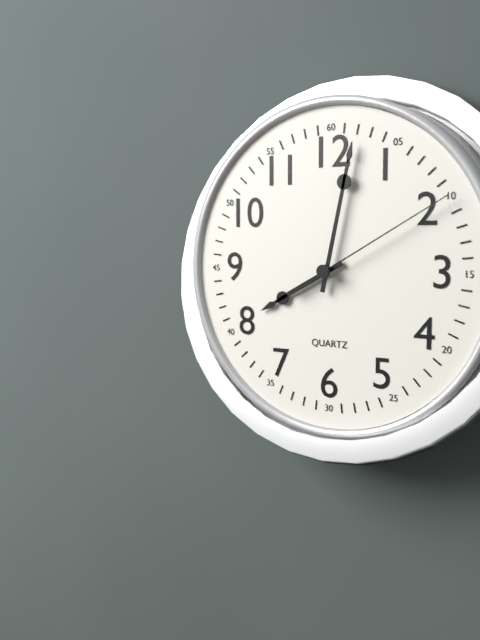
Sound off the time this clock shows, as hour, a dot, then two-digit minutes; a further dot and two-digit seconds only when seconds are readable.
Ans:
8.02.10
